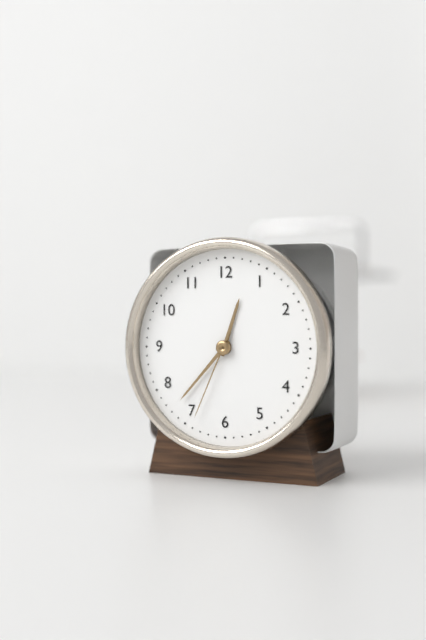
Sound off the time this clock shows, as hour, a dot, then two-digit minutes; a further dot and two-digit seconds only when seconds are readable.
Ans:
12.37.34
